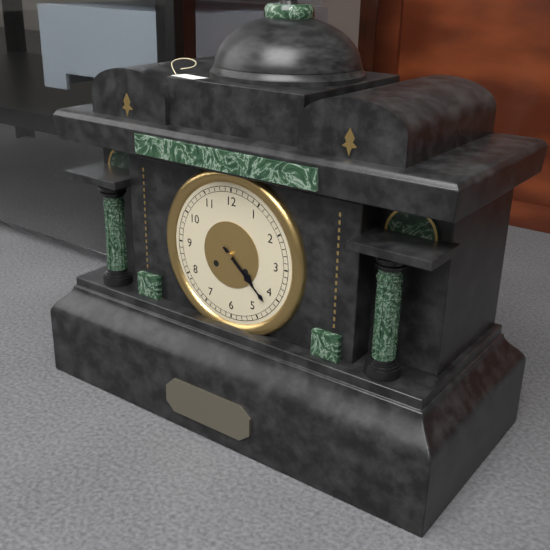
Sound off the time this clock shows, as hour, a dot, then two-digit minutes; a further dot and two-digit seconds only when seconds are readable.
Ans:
4.22
